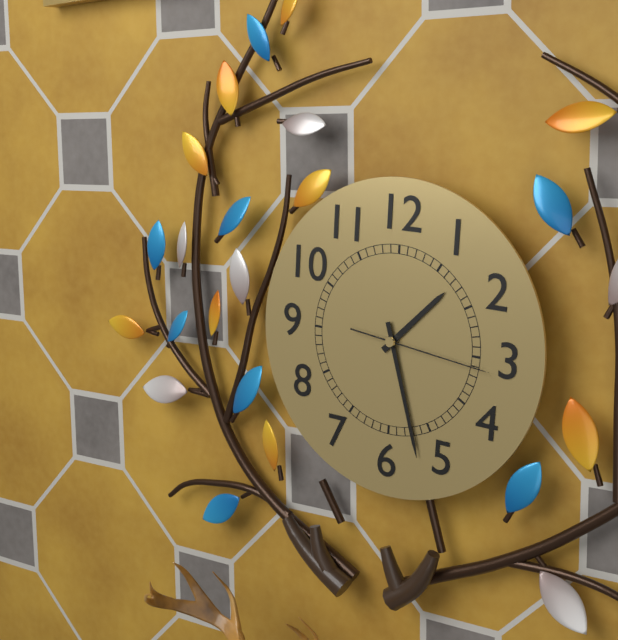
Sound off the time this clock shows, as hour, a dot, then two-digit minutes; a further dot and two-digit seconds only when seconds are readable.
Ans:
1.27.16
